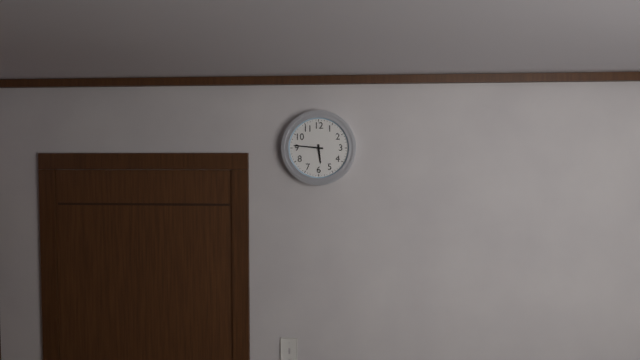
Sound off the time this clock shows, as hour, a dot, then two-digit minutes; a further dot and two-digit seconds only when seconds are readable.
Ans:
5.46
